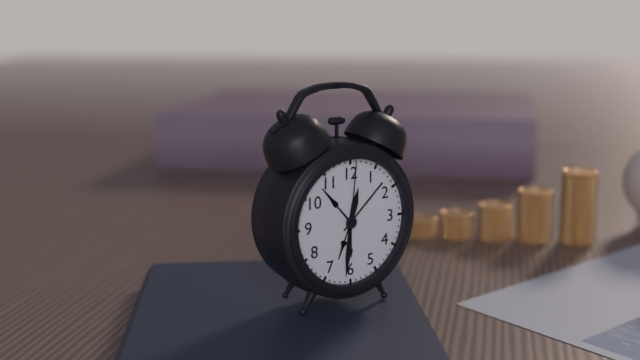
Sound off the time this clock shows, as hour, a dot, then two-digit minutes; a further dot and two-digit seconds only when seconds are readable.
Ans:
12.31.01
